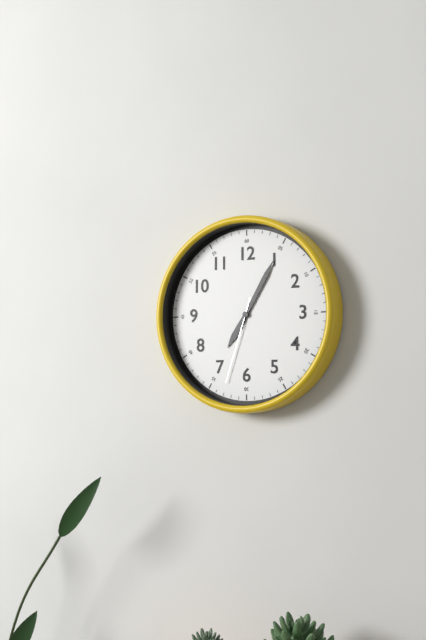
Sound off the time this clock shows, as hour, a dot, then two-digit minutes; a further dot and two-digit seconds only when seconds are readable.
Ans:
7.05.33
